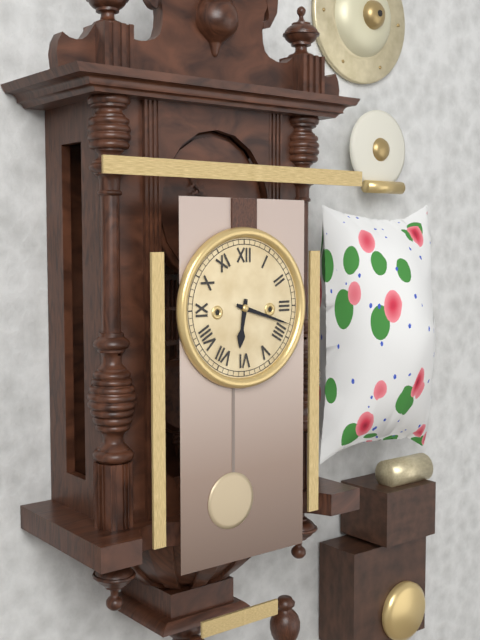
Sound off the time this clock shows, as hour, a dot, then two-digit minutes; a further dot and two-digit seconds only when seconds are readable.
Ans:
6.18
